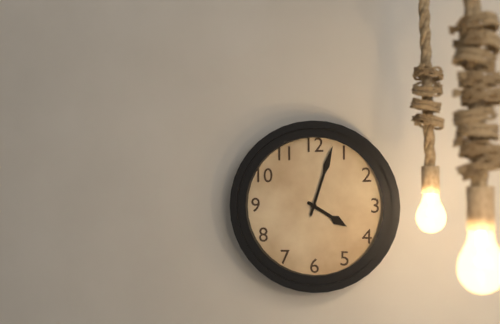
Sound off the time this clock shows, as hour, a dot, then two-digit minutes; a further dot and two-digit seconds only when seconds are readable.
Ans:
4.03
